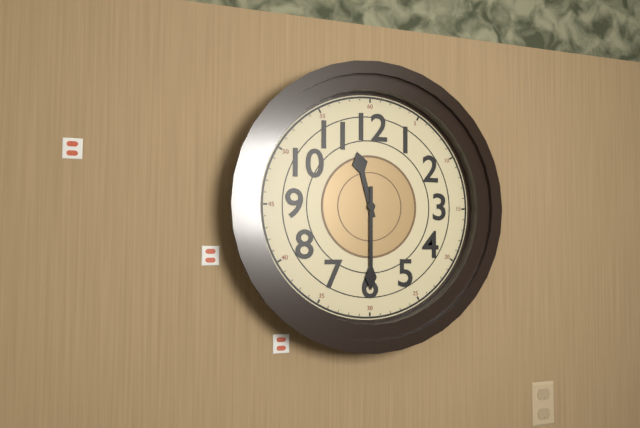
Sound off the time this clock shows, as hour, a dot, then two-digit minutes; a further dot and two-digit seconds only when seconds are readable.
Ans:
11.30
